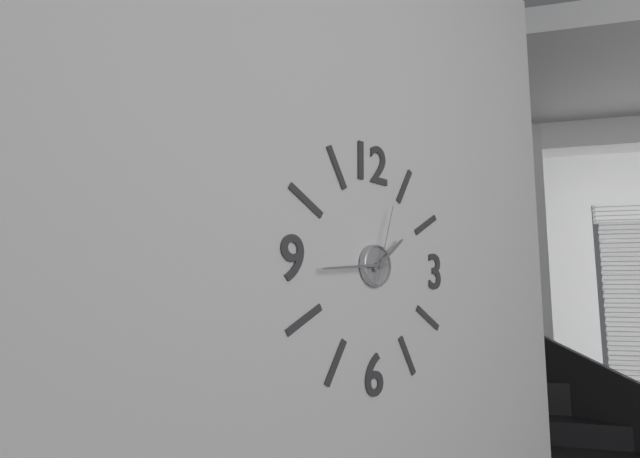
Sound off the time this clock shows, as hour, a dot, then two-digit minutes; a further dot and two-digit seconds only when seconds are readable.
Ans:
1.44.03
